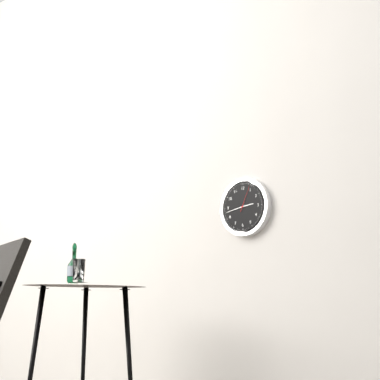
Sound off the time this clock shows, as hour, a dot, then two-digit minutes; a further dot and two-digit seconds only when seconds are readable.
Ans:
2.43
